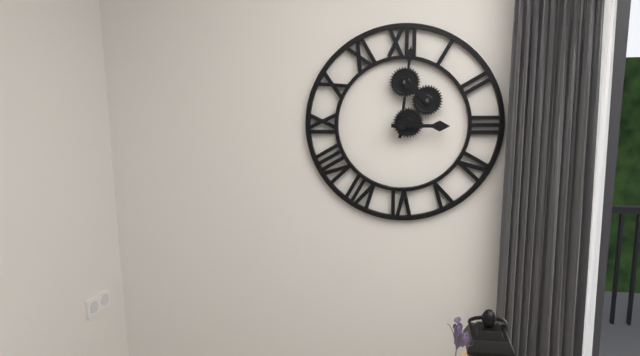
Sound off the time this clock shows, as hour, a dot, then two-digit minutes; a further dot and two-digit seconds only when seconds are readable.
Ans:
3.01
